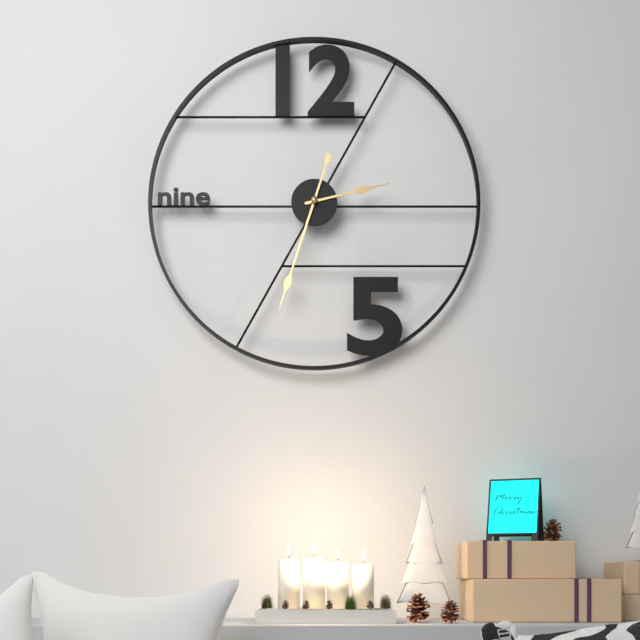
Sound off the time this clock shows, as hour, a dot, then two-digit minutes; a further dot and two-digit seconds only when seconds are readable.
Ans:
2.33
